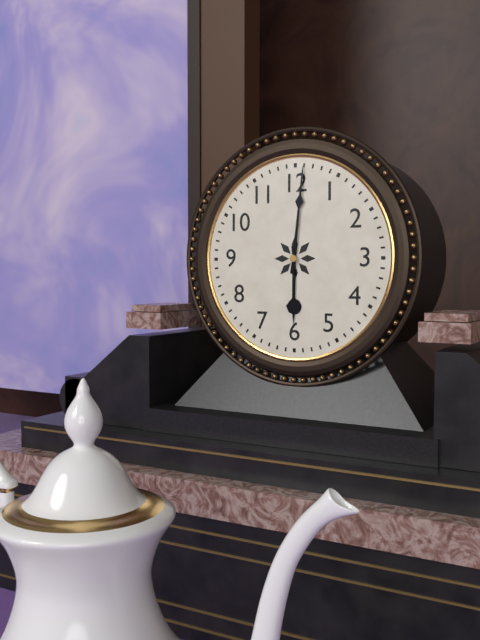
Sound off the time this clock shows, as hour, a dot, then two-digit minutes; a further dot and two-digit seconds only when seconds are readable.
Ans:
6.01
